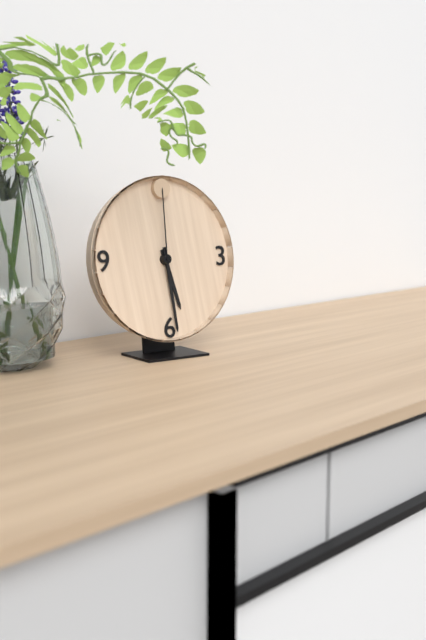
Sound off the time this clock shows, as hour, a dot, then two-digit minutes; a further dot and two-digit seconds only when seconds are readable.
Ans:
5.29.00
